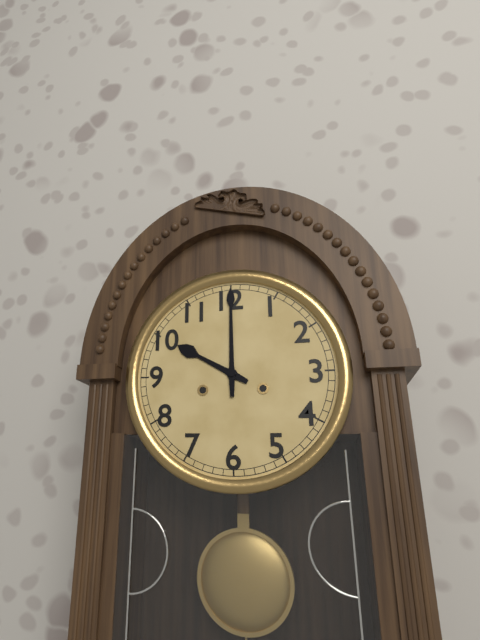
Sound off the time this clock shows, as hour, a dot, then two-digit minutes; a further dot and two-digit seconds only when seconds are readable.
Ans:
10.00
